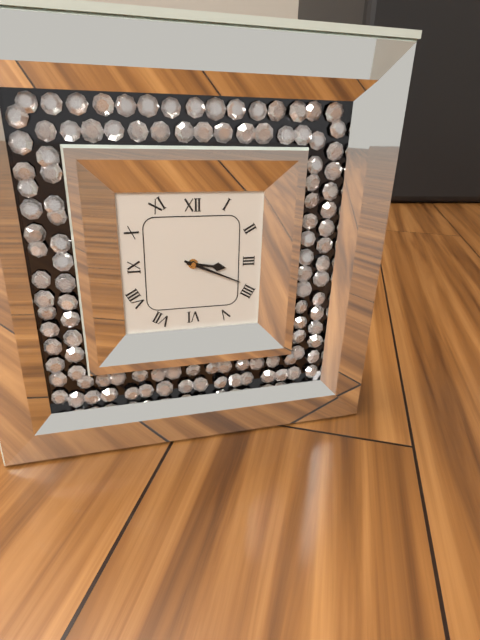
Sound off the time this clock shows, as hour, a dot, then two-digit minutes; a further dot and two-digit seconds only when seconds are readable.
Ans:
3.19
